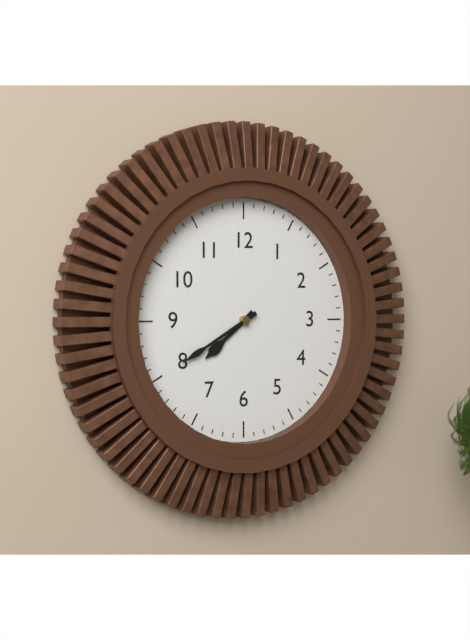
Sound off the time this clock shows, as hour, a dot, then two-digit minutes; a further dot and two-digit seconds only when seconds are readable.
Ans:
7.40
